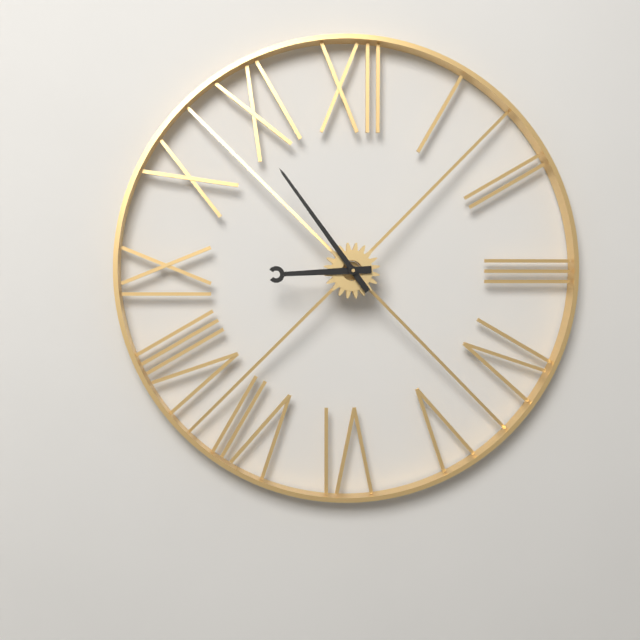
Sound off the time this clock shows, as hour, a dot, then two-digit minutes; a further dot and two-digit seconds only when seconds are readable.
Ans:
8.54
